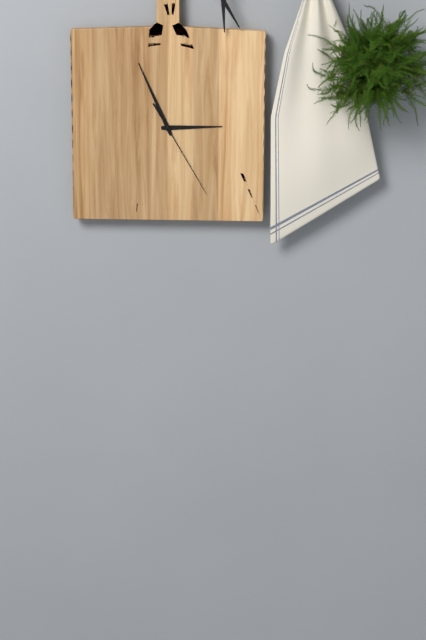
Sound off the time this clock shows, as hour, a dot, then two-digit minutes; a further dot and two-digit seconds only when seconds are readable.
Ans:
2.56.25
